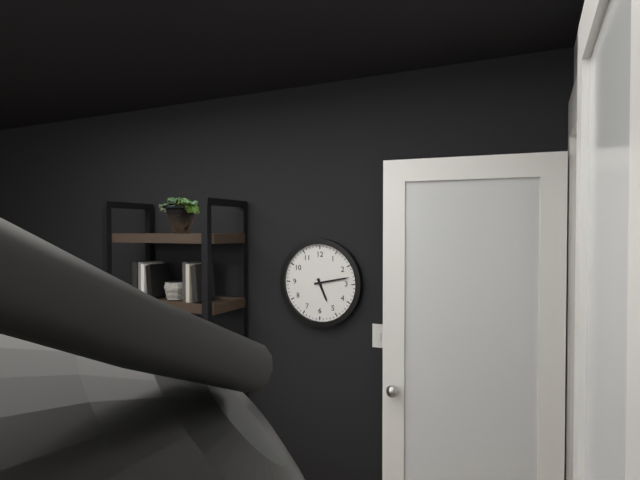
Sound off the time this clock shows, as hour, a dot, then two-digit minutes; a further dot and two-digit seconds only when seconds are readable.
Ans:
5.13
